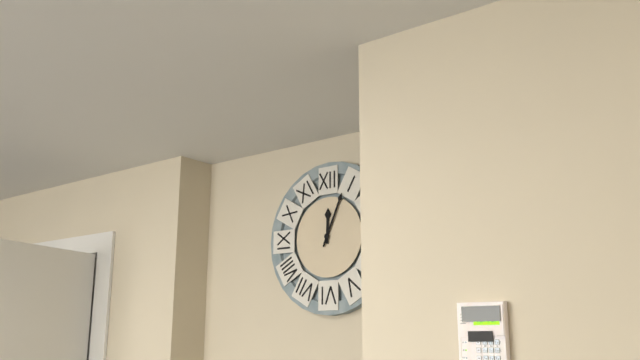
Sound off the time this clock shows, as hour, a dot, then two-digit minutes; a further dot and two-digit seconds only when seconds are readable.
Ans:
12.04
